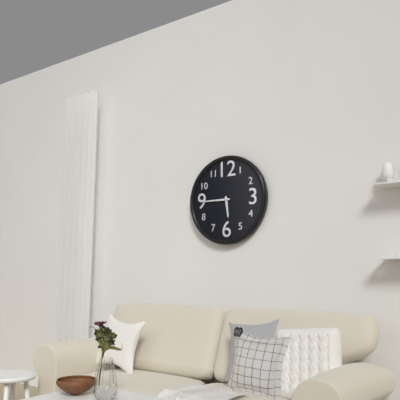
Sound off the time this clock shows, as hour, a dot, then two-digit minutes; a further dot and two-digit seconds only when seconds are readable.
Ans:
5.45
